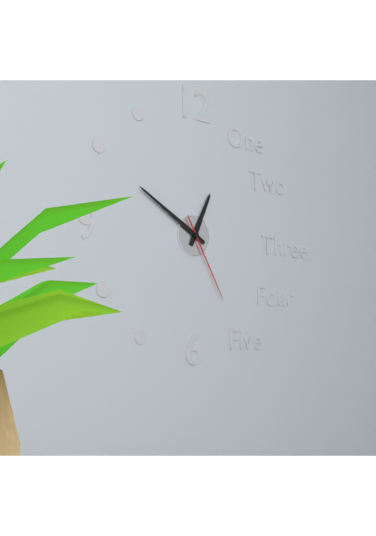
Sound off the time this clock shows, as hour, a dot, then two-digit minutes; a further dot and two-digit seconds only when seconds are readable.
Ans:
12.50.25
